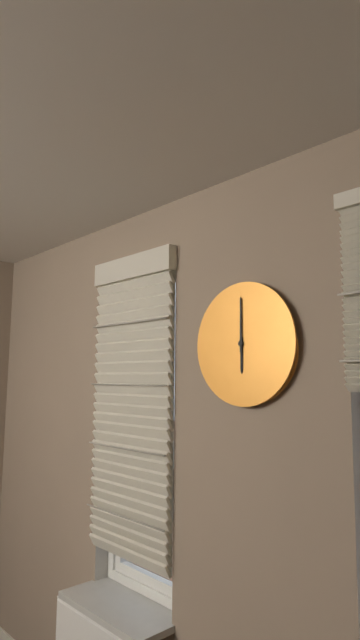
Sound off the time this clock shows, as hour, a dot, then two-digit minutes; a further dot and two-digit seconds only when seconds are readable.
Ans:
6.00
